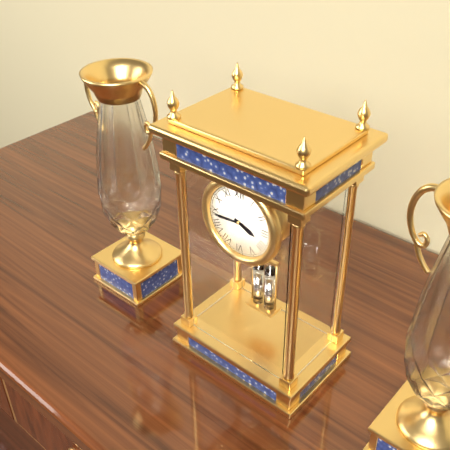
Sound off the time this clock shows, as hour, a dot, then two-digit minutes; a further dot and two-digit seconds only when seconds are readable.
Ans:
3.44
